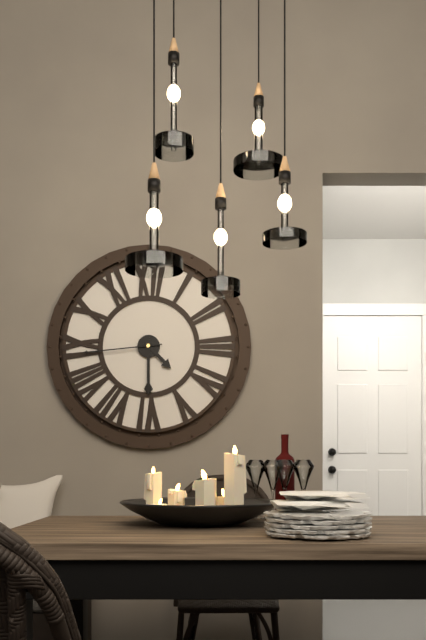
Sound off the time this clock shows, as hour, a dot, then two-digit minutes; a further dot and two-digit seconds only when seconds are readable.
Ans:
4.30.44
